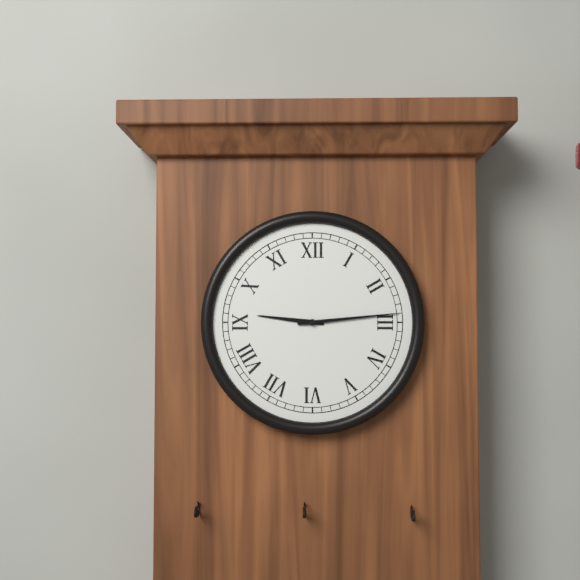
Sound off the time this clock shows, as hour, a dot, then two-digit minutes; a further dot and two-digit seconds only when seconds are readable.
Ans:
9.14
